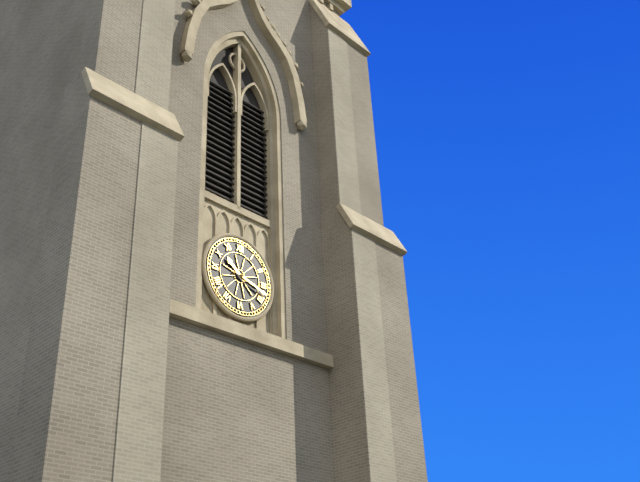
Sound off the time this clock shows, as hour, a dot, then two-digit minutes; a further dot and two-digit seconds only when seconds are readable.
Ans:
10.18
